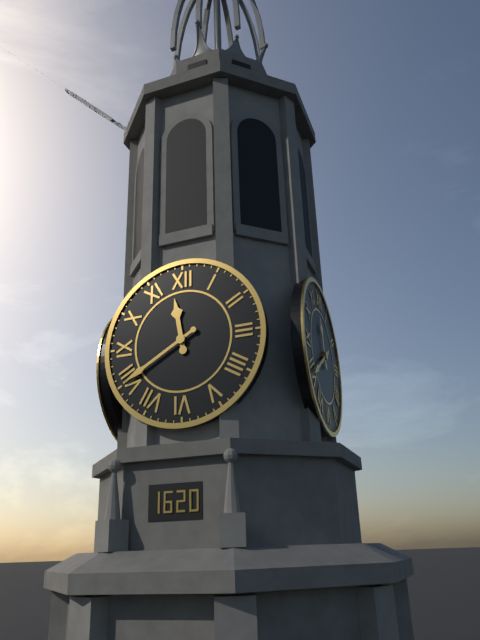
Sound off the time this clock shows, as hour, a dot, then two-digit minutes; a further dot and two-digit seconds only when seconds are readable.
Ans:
11.40
